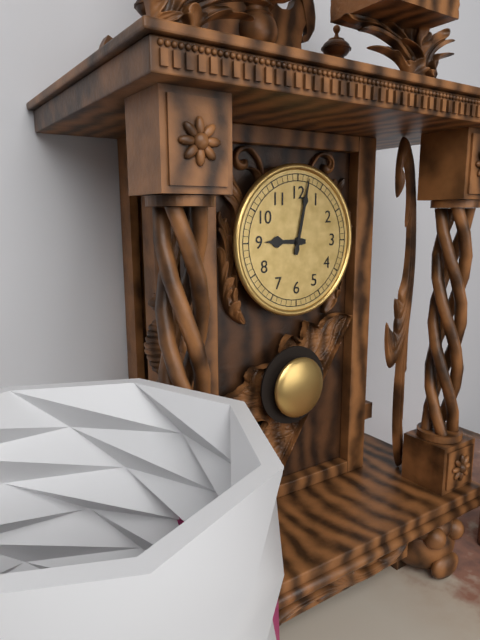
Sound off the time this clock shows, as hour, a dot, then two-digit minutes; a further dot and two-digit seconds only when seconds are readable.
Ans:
9.02
